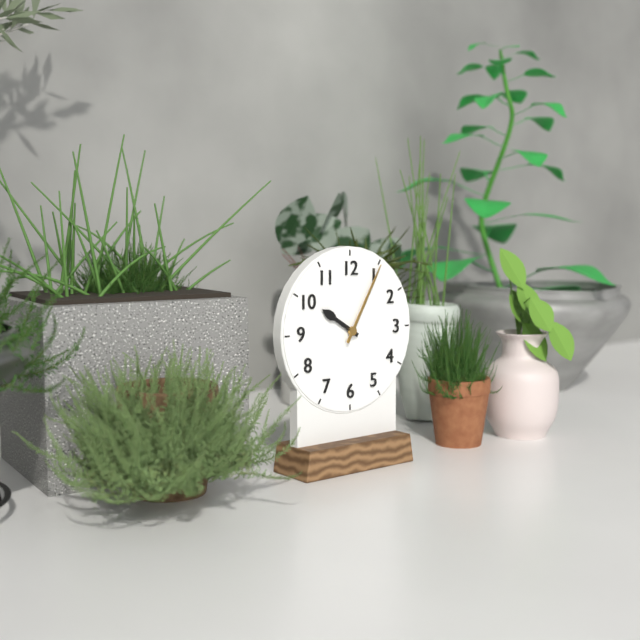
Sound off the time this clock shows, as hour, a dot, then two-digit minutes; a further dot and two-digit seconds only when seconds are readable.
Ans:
10.05
